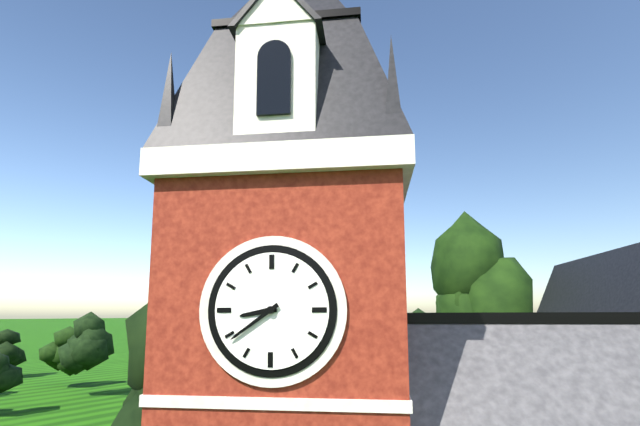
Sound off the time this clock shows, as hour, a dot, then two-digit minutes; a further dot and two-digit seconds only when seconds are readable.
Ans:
8.39
